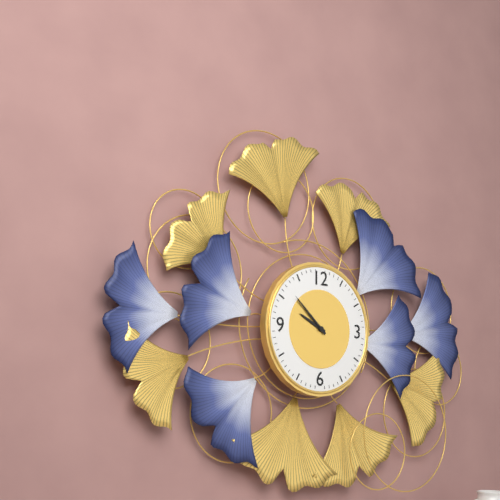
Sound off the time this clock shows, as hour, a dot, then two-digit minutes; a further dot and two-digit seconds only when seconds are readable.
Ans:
9.52
